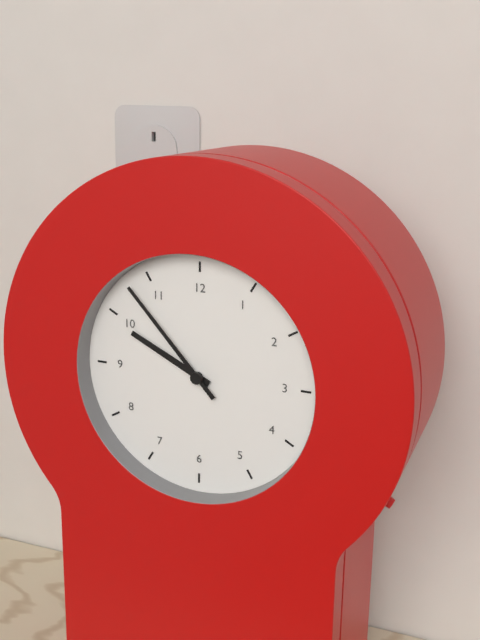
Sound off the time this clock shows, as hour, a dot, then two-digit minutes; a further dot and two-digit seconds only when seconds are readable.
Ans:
9.53
